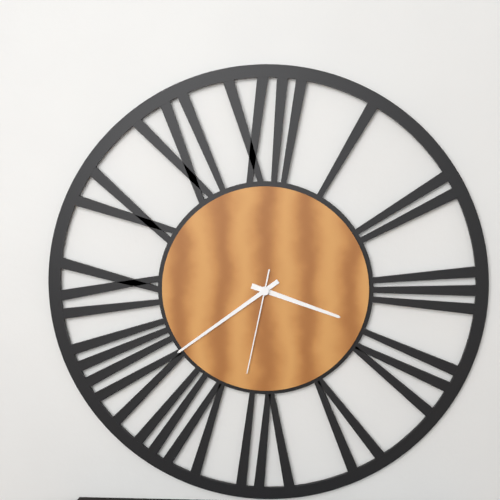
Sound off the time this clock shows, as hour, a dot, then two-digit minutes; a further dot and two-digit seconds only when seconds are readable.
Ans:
3.39.32
